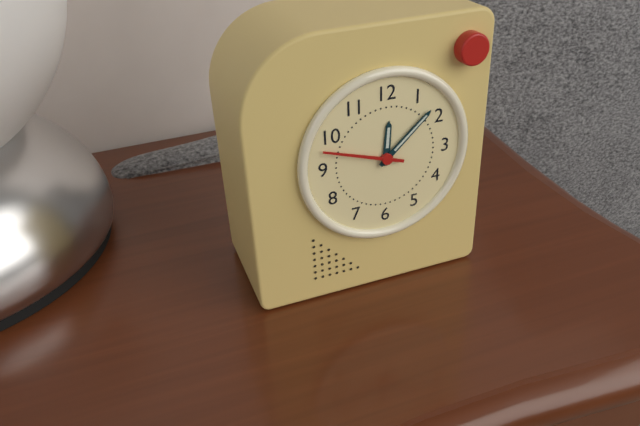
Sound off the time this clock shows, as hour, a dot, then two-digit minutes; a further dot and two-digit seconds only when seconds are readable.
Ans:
12.08.48
